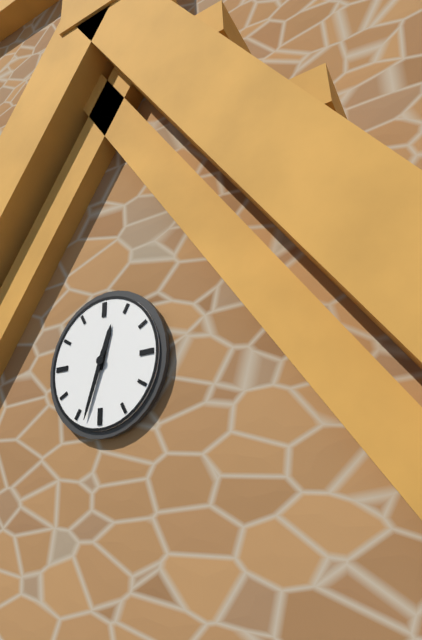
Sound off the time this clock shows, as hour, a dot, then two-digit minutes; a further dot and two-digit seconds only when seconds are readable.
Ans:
12.33
